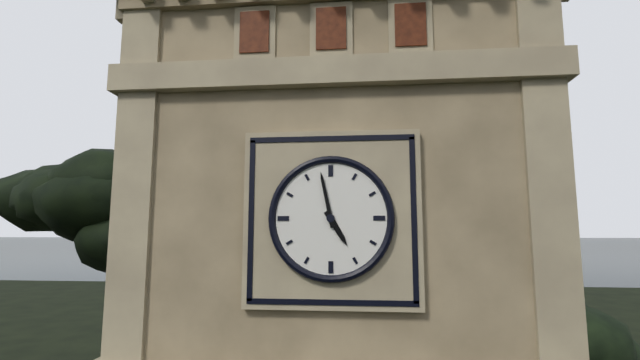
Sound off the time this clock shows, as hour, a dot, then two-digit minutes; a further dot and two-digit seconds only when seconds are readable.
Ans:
4.58
